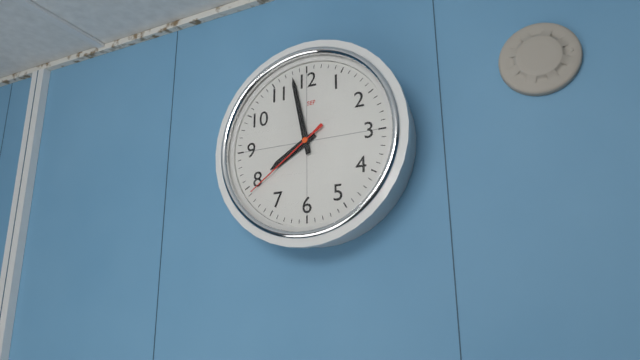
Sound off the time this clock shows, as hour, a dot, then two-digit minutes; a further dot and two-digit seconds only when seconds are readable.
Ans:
7.58.39
